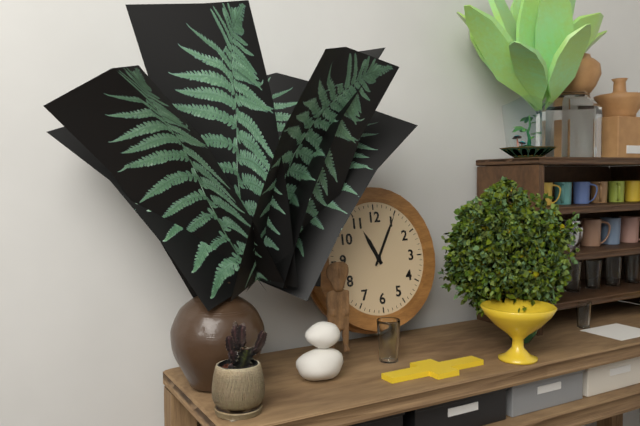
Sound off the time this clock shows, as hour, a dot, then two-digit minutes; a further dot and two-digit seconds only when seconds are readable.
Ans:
11.05
